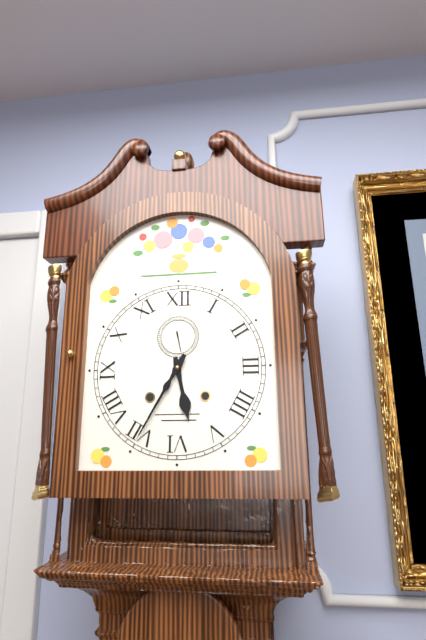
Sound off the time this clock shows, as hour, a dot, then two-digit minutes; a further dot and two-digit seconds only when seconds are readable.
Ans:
5.35
